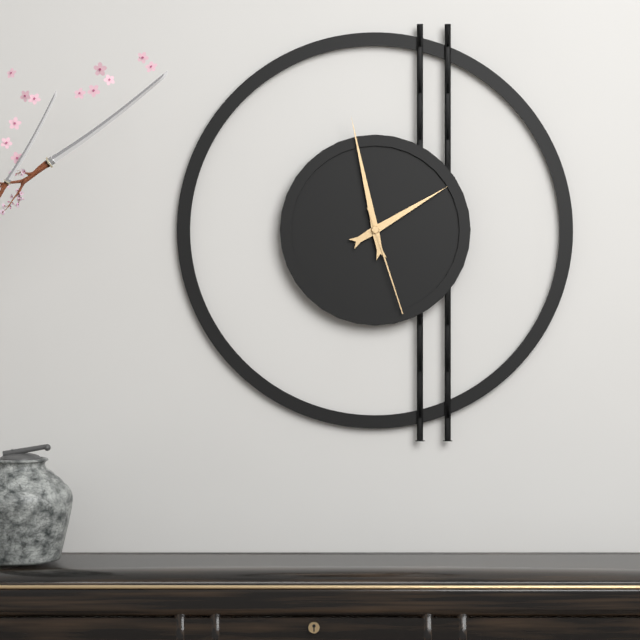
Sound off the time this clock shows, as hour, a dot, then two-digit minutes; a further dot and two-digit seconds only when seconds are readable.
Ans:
1.58.27
